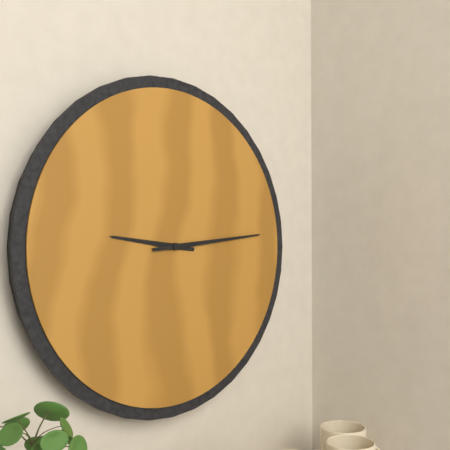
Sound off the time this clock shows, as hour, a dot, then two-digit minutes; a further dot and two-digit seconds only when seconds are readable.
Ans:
9.14
